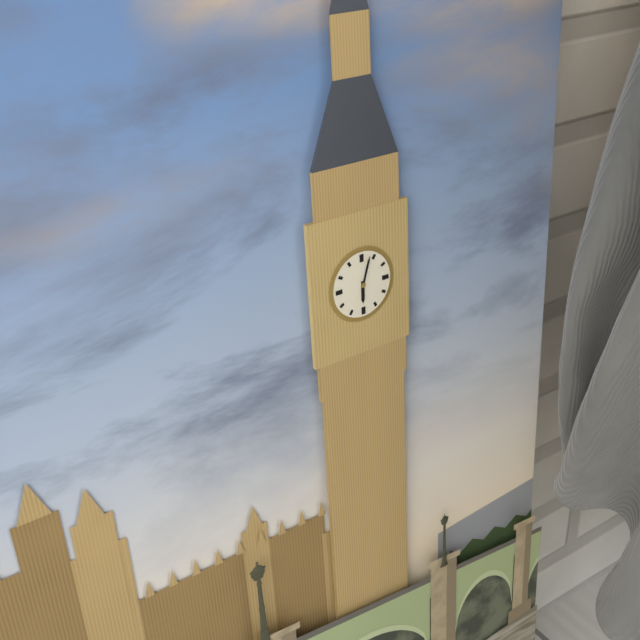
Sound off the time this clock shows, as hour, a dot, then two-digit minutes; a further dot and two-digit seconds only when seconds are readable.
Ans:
6.03
